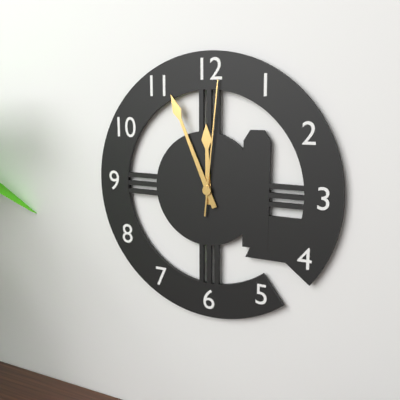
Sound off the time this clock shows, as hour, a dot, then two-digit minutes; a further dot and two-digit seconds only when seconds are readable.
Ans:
11.56.01
